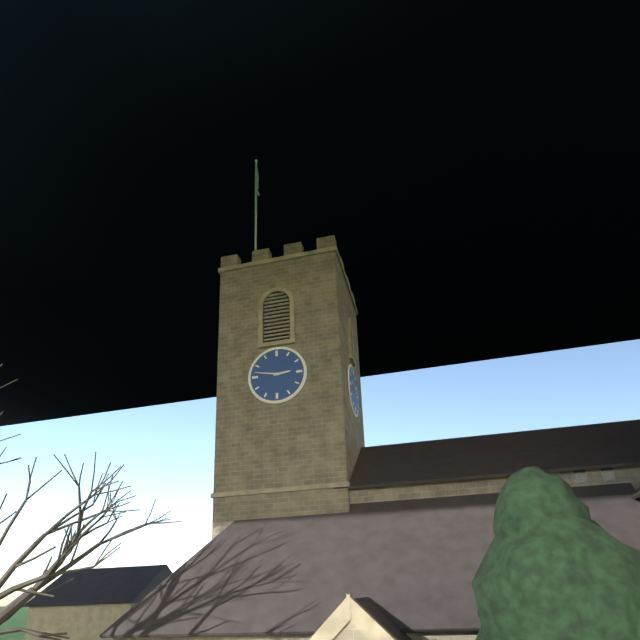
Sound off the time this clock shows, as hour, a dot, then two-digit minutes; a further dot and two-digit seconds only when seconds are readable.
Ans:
2.47
